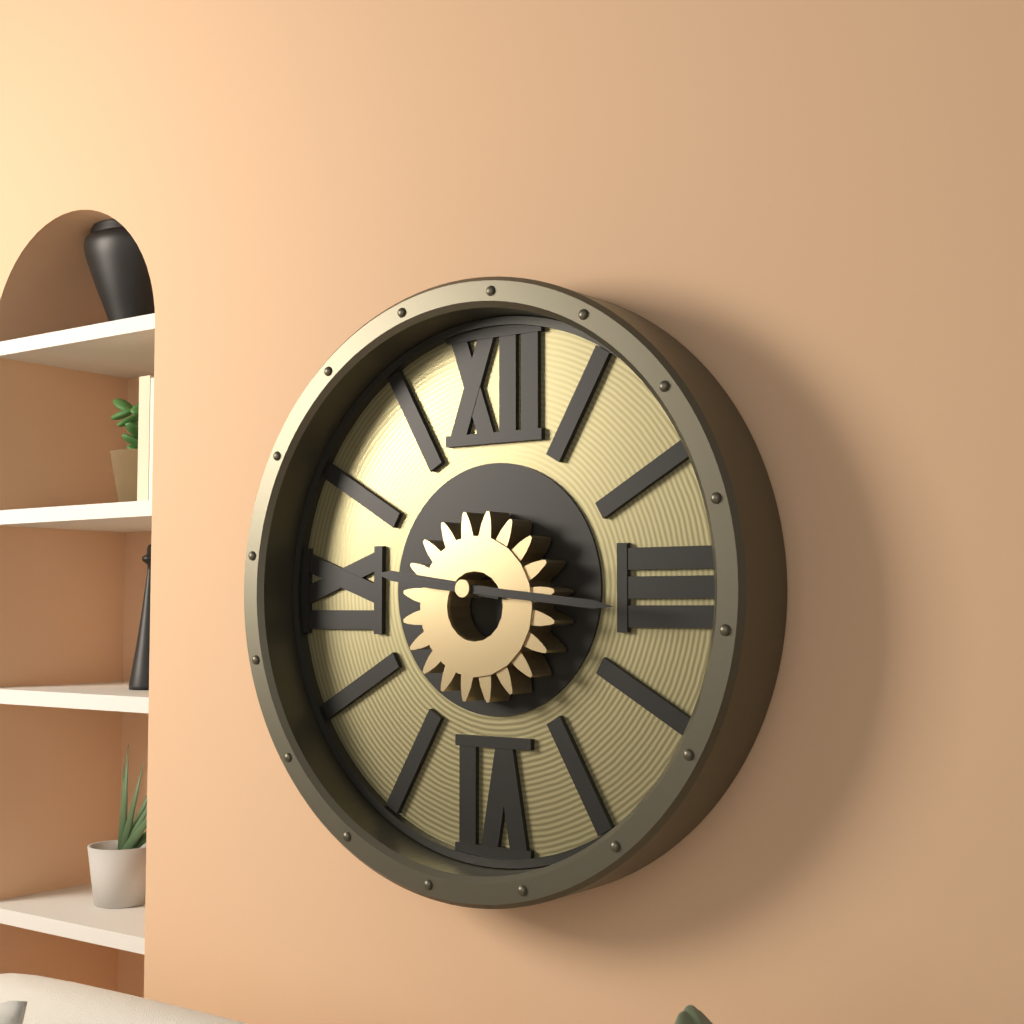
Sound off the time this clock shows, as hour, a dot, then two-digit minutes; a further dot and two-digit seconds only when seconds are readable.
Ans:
9.16
